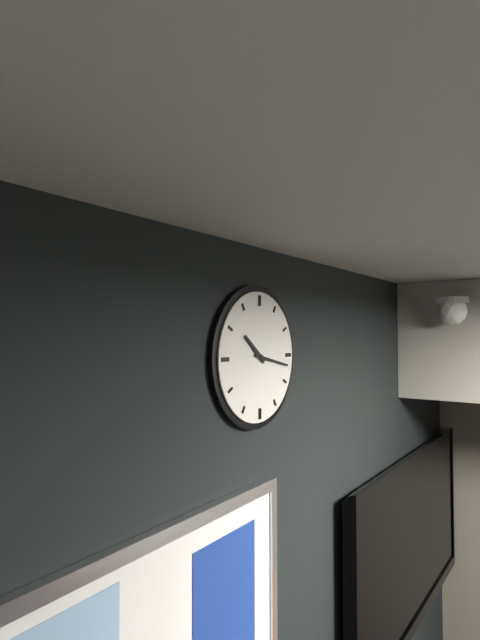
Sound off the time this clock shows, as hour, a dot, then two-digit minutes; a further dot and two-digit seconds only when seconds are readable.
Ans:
10.17
